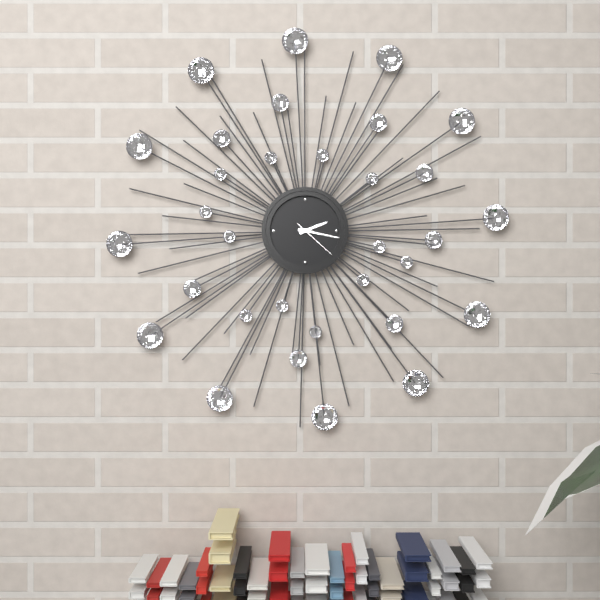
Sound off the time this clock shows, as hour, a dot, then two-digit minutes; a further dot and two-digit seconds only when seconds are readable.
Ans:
2.17
